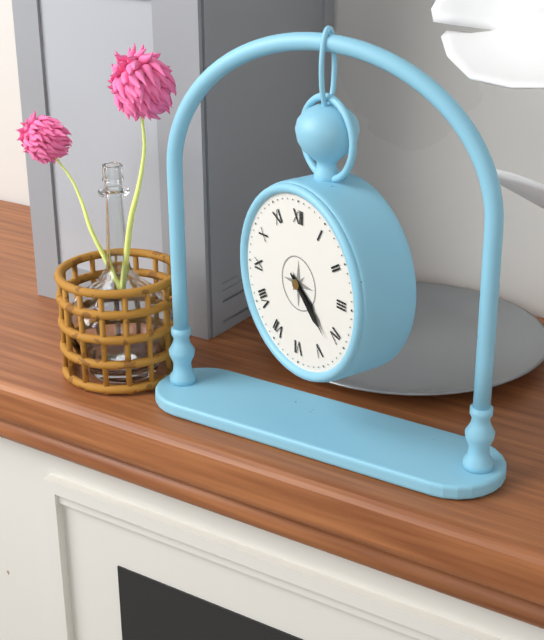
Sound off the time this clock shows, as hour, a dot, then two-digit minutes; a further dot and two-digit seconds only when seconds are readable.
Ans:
4.22
